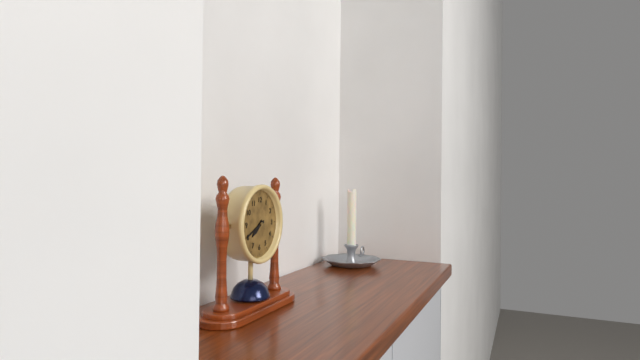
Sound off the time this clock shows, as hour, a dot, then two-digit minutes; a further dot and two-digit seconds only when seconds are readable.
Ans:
7.41
